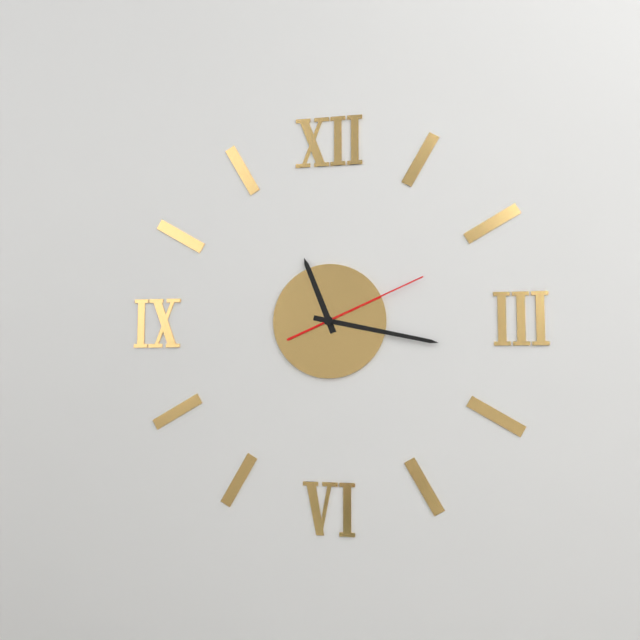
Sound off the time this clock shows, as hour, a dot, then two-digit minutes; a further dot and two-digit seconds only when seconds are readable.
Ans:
11.17.11
